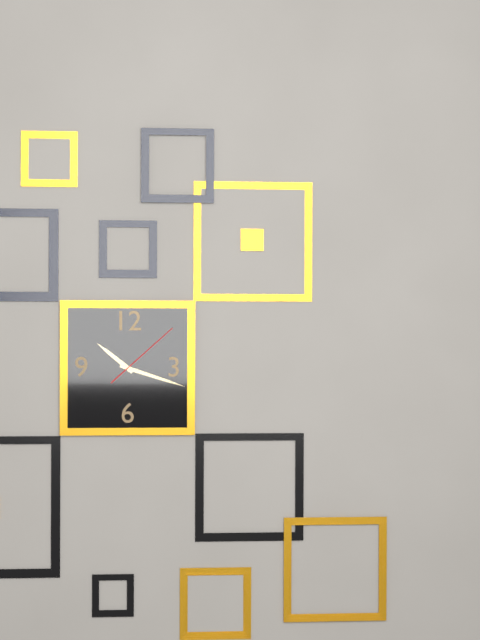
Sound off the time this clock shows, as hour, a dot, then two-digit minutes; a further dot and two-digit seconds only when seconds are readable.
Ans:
10.18.08
